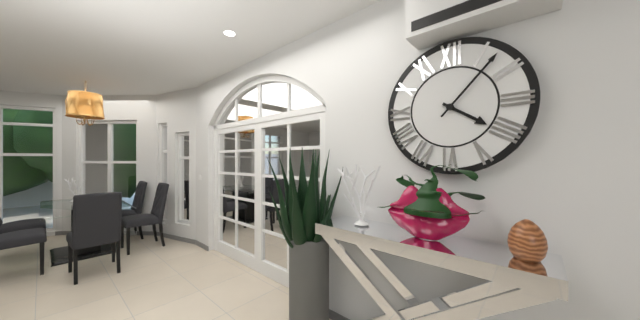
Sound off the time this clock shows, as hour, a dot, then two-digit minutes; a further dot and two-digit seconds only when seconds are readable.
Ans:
4.07
